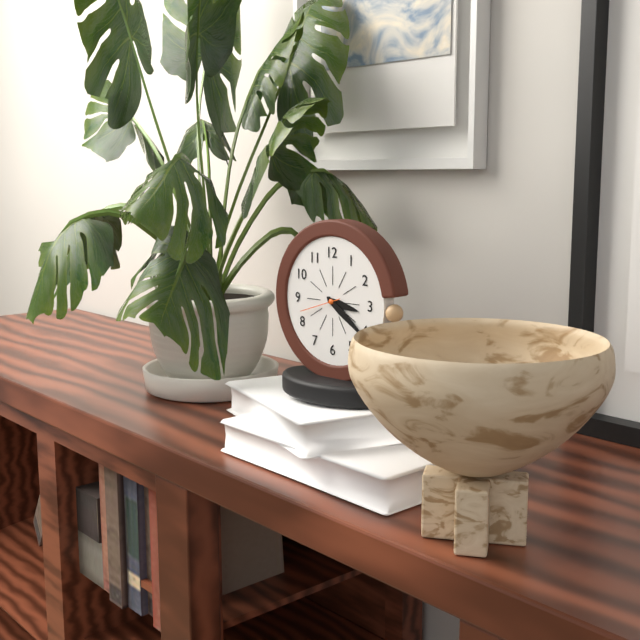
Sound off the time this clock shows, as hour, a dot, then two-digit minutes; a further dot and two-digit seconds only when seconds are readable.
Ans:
3.21.42
